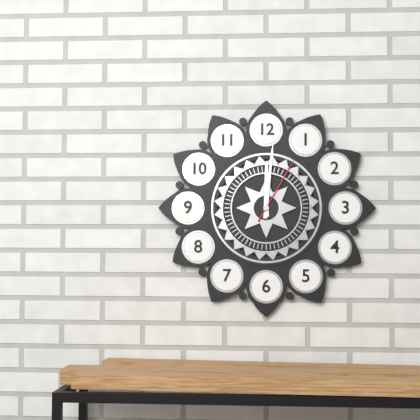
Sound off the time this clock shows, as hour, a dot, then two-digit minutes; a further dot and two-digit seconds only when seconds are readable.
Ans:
12.01.05
